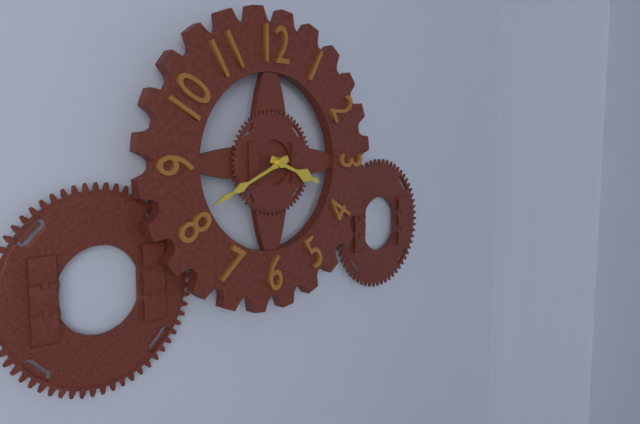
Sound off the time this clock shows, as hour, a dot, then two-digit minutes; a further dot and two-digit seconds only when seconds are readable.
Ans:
3.41
